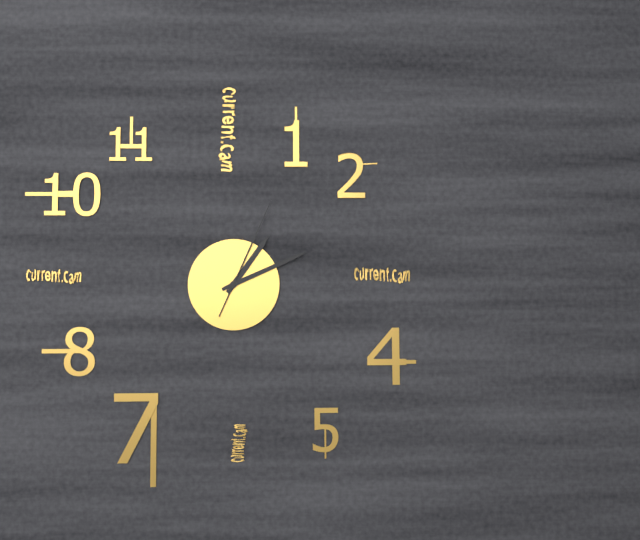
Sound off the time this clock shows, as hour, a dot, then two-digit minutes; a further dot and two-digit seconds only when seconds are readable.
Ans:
1.11.04
